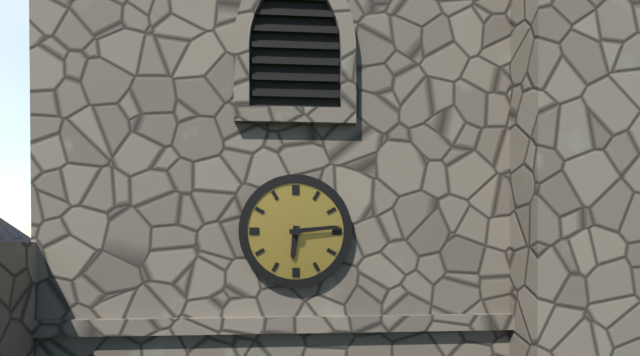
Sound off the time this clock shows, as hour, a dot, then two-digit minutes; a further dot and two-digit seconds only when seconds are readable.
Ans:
6.14
